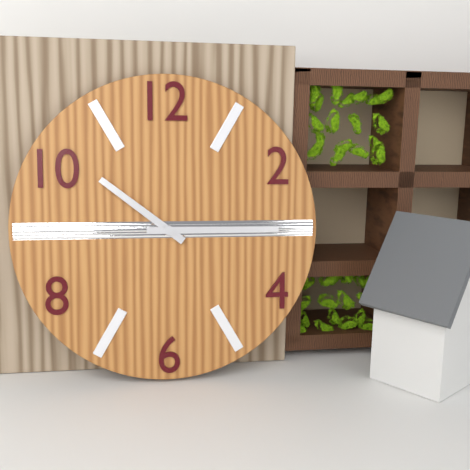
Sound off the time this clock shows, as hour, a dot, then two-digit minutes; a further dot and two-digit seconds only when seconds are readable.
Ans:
10.15
